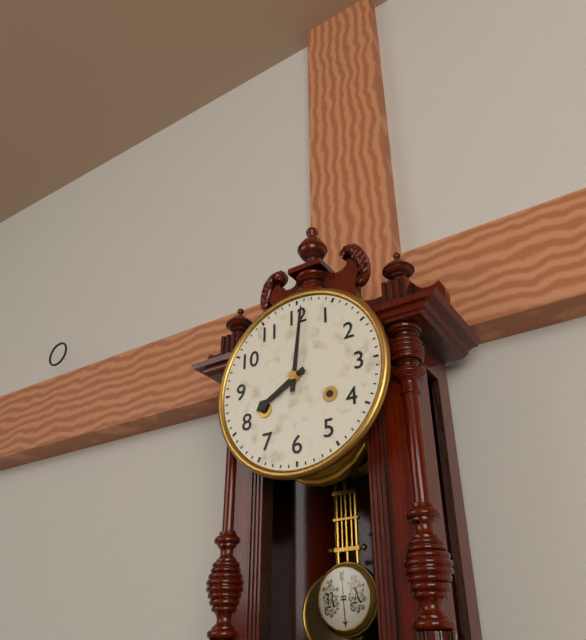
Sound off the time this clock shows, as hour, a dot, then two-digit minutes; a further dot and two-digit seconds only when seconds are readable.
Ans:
8.01
